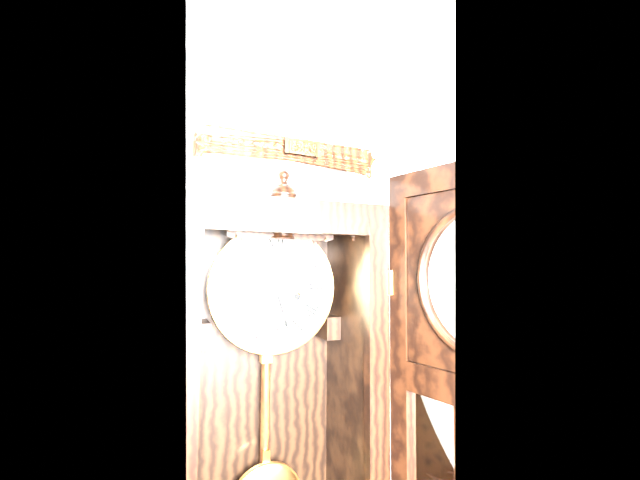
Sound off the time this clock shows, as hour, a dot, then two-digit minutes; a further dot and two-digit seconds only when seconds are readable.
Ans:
10.27
